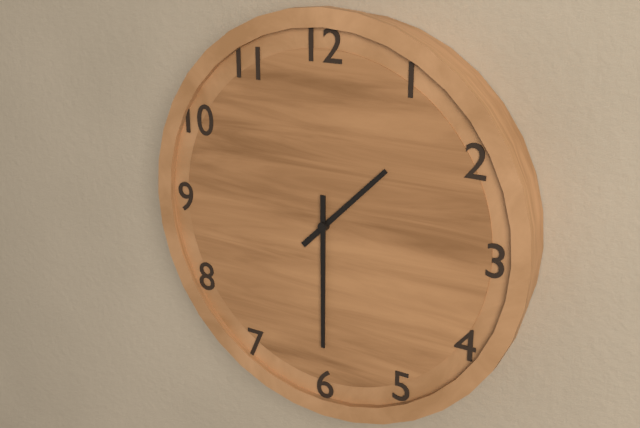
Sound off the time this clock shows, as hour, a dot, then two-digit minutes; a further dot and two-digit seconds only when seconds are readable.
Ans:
1.30
